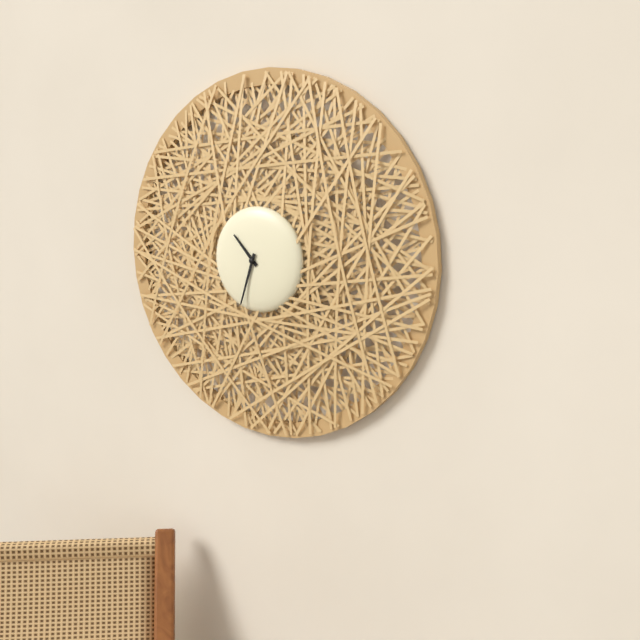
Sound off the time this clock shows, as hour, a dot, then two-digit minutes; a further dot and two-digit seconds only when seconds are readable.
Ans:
10.33
